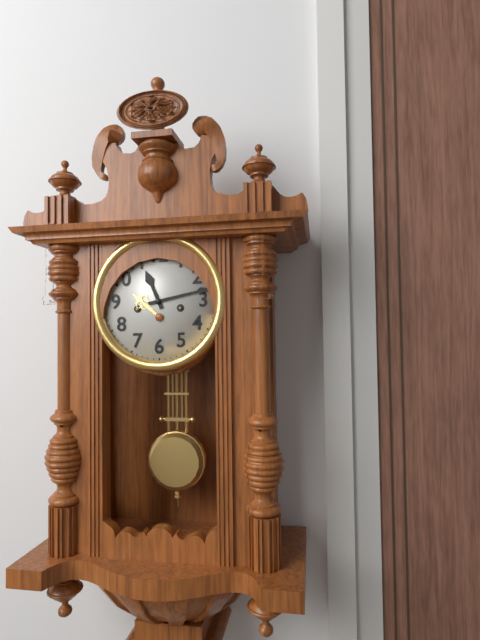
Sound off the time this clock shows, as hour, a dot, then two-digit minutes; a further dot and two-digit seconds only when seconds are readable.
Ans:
11.13
